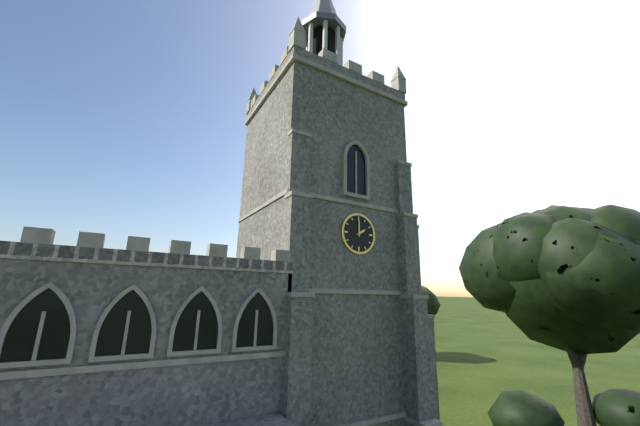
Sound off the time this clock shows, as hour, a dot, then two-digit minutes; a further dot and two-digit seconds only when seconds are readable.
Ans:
2.00
